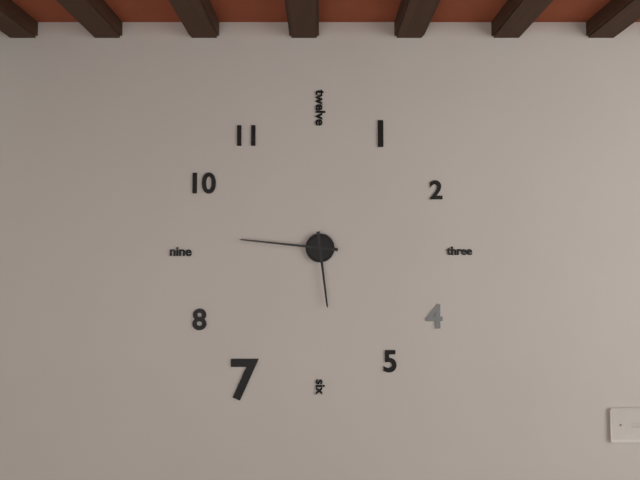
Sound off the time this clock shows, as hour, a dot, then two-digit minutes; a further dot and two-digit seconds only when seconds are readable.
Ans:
5.46
